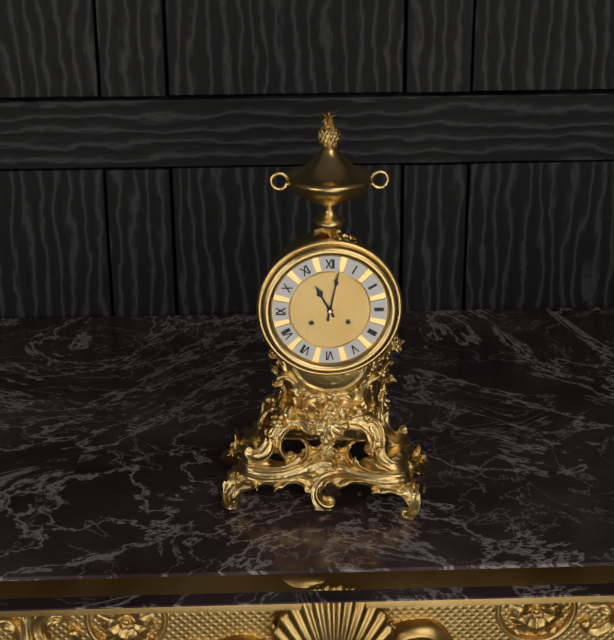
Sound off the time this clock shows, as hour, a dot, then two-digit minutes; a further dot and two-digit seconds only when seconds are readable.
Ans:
11.02
